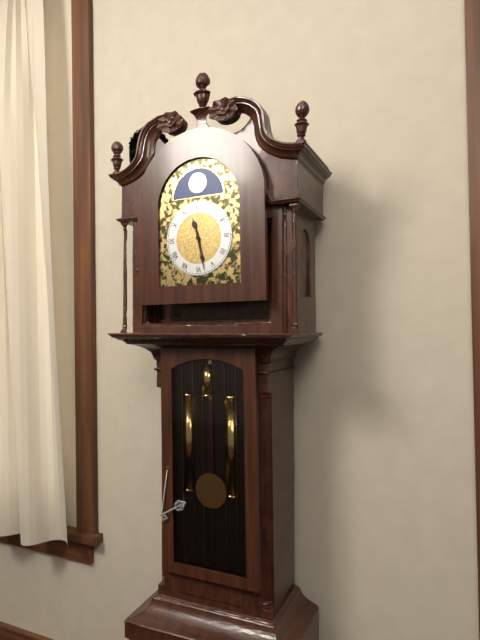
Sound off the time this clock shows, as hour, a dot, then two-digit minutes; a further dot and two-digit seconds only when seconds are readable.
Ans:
11.28
